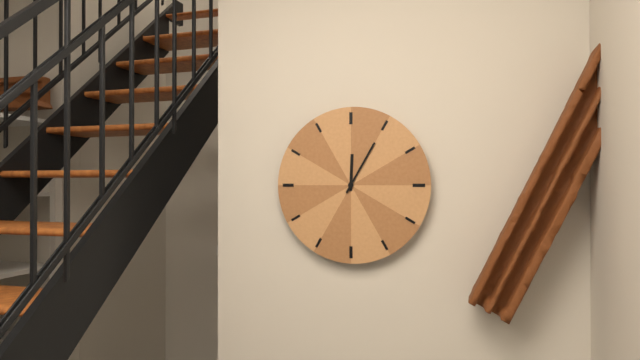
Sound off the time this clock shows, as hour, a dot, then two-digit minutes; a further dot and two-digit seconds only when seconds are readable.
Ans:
12.05
